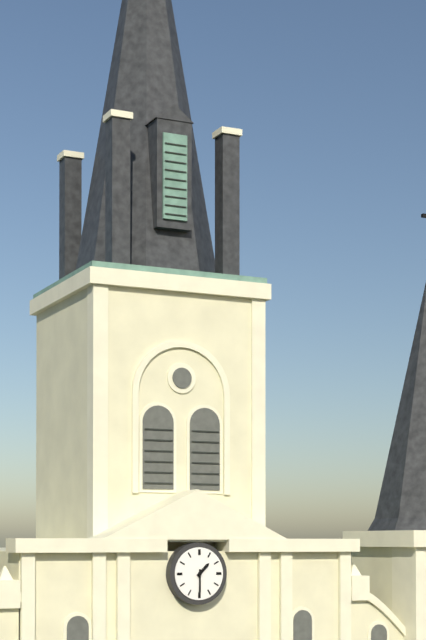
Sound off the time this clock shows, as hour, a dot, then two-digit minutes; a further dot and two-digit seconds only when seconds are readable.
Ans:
1.30
